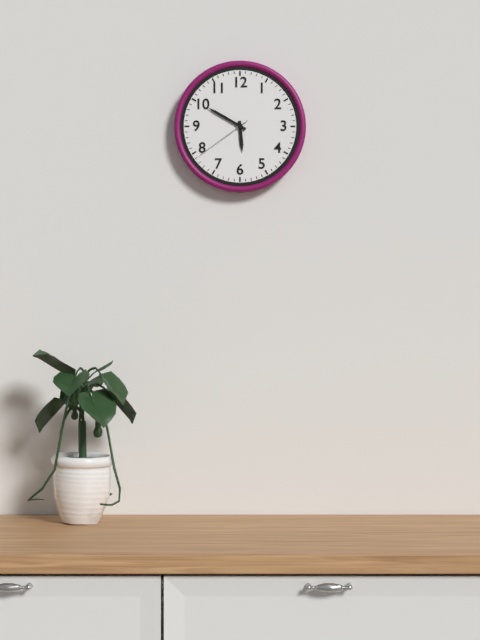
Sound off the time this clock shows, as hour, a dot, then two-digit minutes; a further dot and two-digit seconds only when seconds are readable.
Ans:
5.50.39
